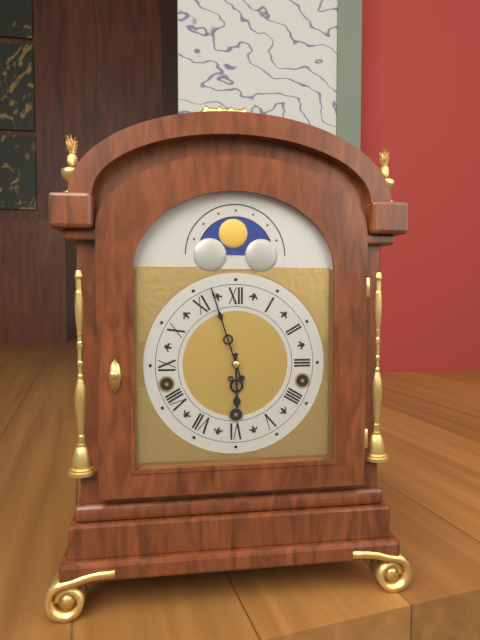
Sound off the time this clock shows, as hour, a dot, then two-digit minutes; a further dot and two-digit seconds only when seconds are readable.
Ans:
5.57
